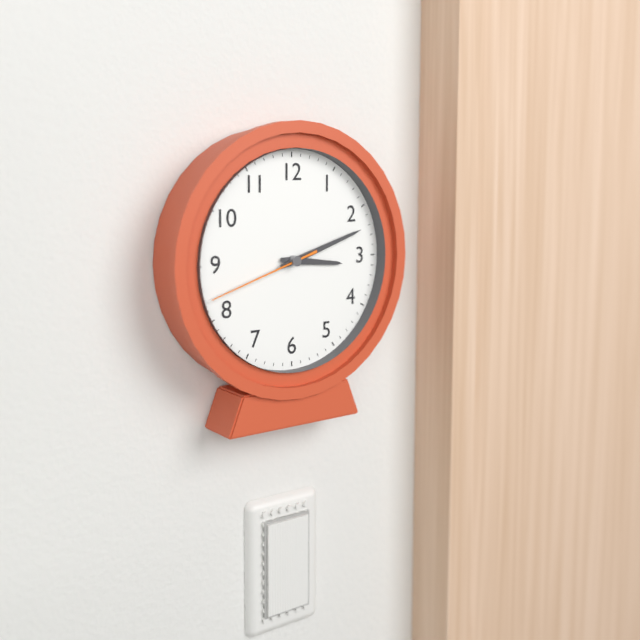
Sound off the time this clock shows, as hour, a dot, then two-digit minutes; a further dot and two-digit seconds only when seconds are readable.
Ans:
3.12.42
